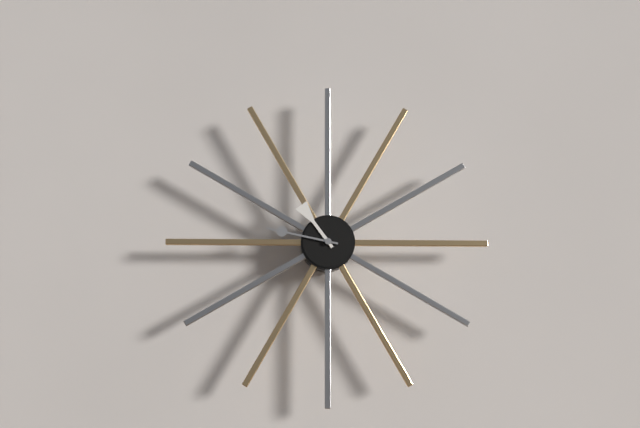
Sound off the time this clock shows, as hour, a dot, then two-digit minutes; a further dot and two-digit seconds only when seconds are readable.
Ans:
10.47
